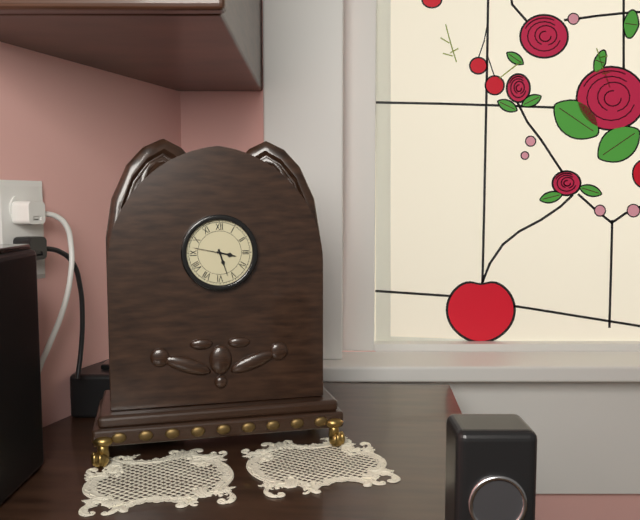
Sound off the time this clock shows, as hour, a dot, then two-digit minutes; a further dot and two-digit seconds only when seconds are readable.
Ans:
3.27
